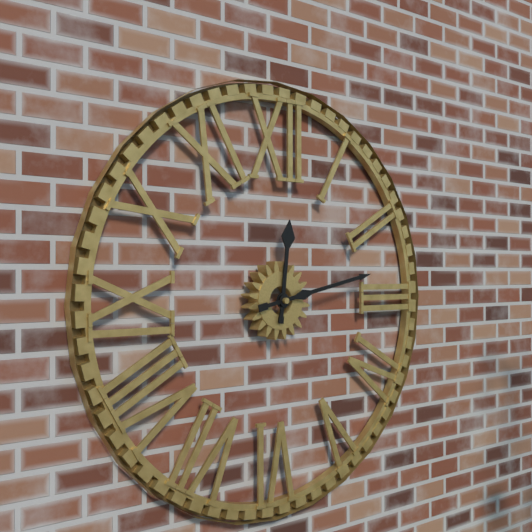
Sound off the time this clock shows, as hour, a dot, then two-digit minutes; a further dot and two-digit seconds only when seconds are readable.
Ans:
12.13
